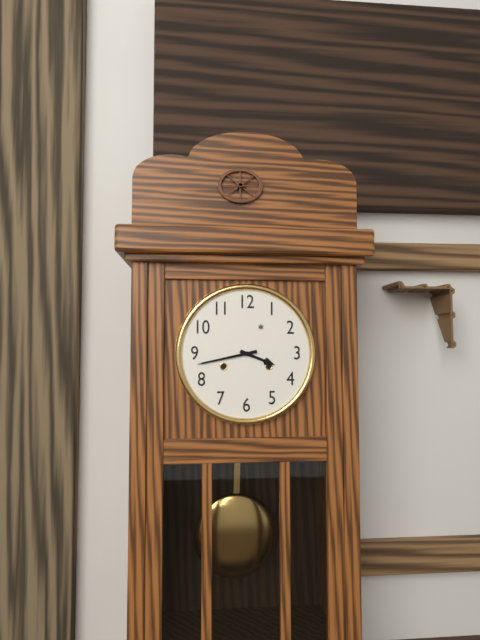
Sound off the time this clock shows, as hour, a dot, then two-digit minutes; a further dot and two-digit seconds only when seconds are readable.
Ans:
3.43
